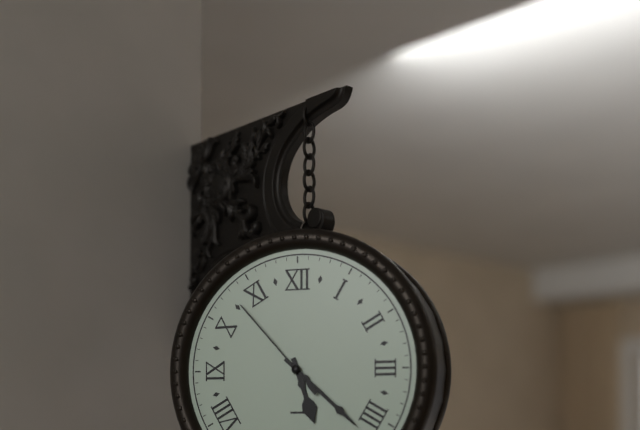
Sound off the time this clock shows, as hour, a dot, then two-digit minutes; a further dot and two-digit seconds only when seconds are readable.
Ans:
5.22.53
